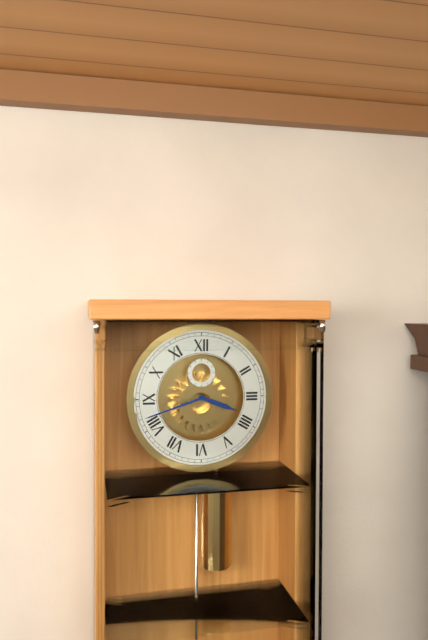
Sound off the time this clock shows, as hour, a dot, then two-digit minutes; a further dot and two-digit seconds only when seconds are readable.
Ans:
3.42
